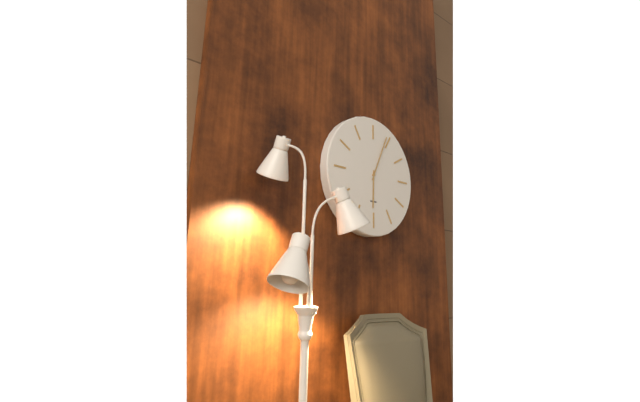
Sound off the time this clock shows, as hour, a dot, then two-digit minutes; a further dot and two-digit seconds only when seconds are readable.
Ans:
6.04
